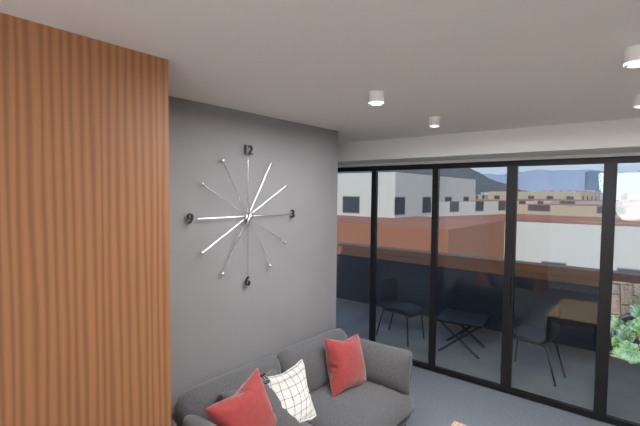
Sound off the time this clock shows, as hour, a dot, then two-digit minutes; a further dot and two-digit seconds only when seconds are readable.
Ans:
11.36
